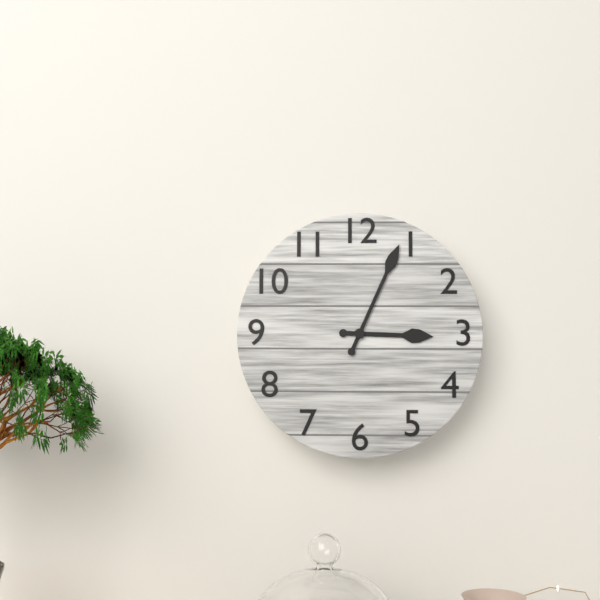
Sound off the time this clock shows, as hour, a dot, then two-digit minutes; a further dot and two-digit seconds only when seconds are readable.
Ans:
3.04
